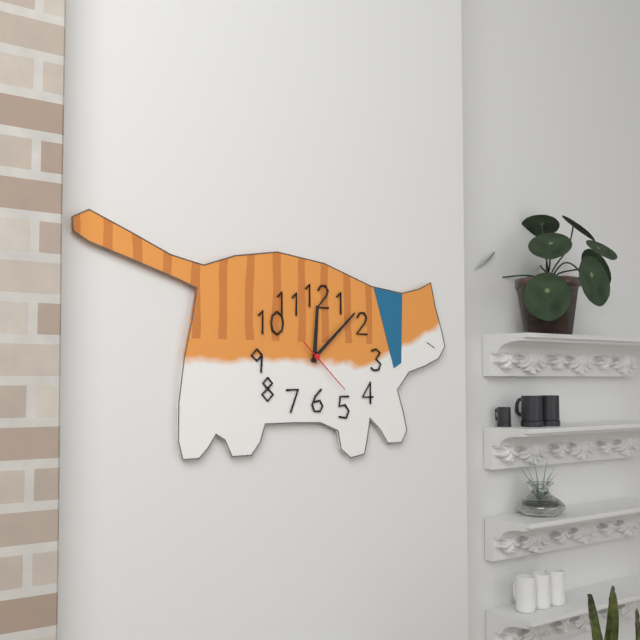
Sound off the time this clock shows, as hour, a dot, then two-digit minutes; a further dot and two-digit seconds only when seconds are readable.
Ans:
12.08.22
